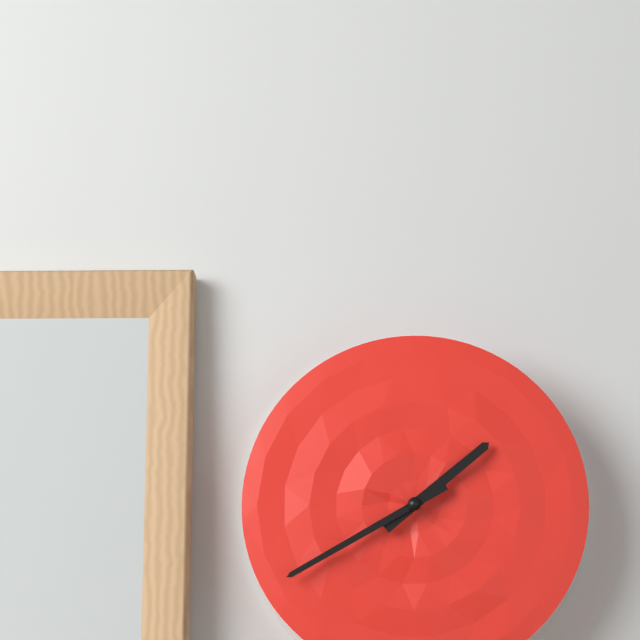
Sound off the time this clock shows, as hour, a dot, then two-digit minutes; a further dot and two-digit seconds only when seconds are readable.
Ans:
1.40
